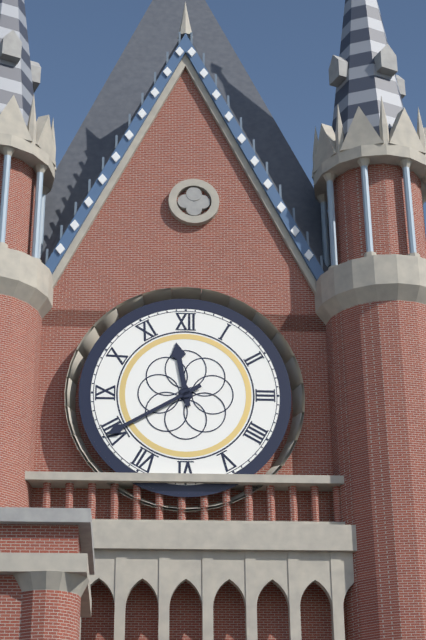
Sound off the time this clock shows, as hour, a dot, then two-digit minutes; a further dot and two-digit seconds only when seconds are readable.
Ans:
11.40
